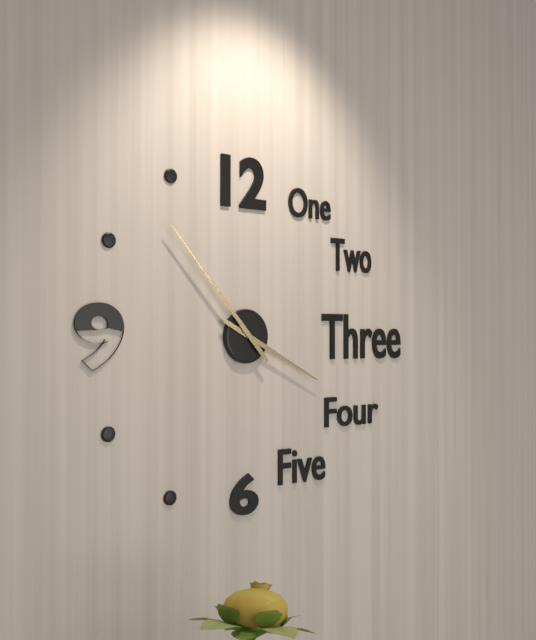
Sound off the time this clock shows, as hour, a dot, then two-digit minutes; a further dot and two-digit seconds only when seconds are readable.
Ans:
3.53
